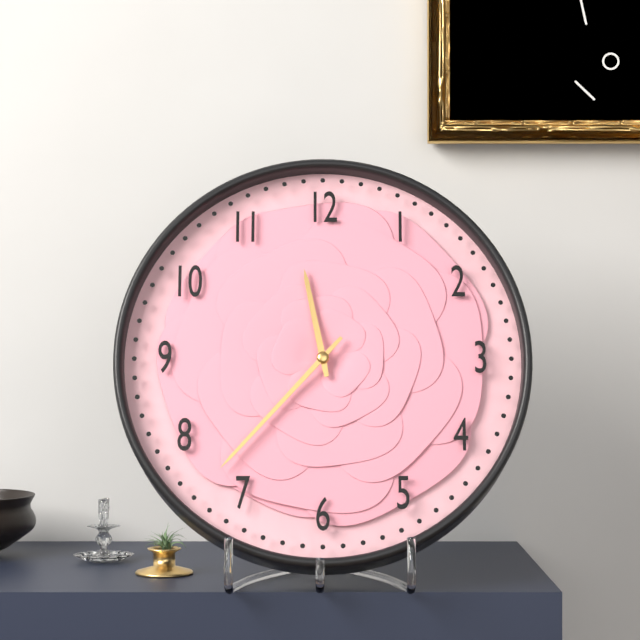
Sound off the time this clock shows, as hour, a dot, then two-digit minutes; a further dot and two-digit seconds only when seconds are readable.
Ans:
11.37
